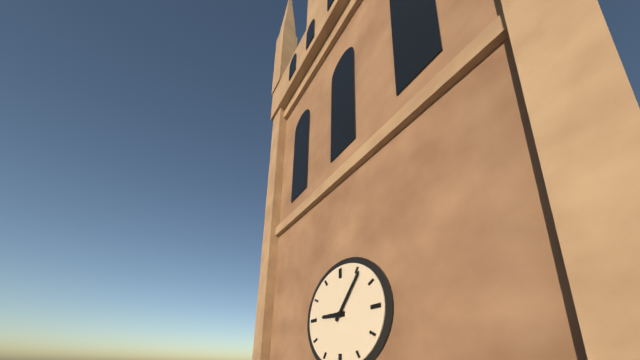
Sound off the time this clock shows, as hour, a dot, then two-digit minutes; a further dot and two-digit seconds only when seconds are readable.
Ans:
9.06
